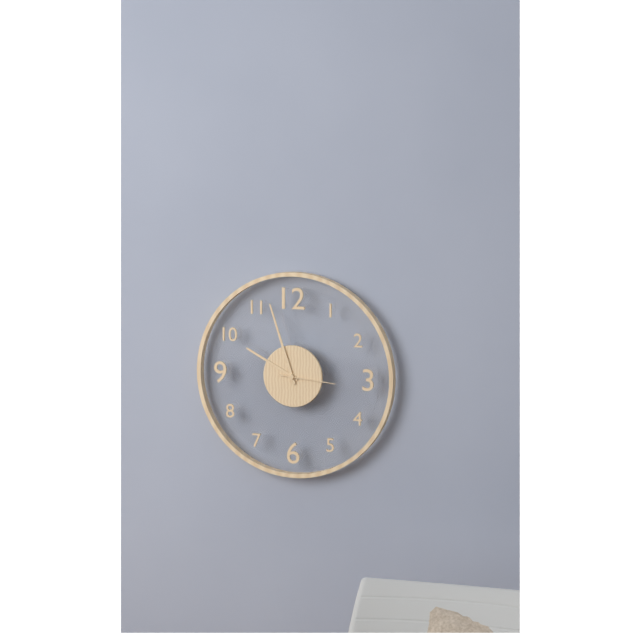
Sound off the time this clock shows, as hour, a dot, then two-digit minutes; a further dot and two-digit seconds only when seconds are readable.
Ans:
9.57.16
